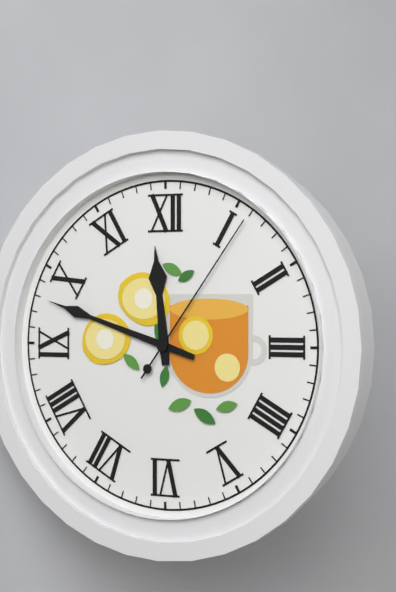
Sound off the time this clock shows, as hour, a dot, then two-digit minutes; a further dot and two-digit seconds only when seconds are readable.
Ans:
11.48.06
